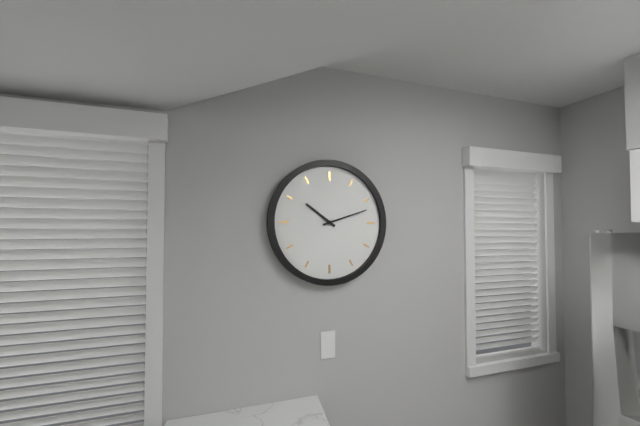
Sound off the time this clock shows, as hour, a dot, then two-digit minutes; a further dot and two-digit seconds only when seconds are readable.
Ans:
10.12
